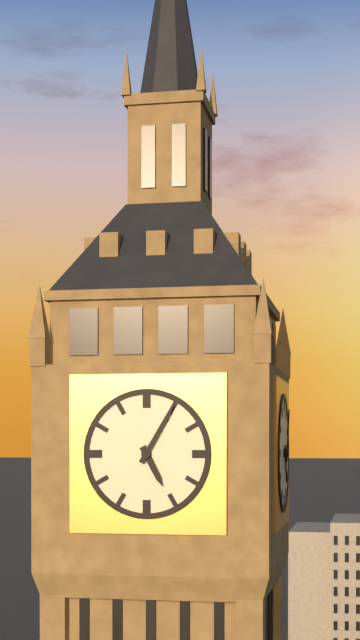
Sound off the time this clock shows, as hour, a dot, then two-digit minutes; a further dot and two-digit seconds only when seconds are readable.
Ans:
5.05
